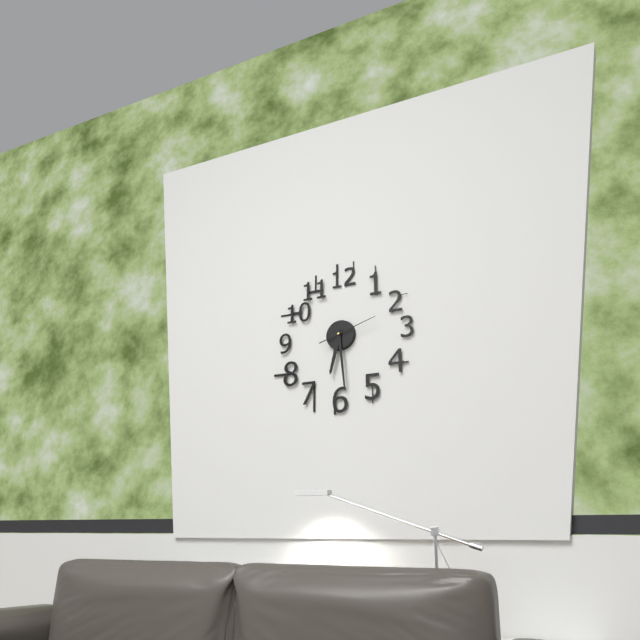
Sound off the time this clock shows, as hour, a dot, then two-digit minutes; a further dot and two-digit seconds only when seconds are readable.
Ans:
6.29.12
